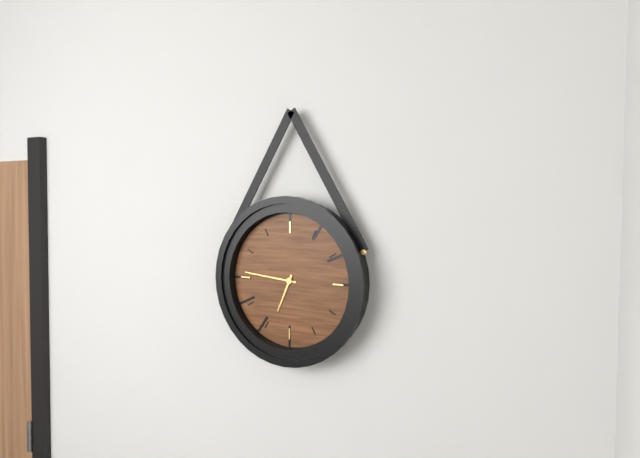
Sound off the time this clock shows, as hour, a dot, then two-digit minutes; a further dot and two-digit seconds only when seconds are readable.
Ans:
6.46
